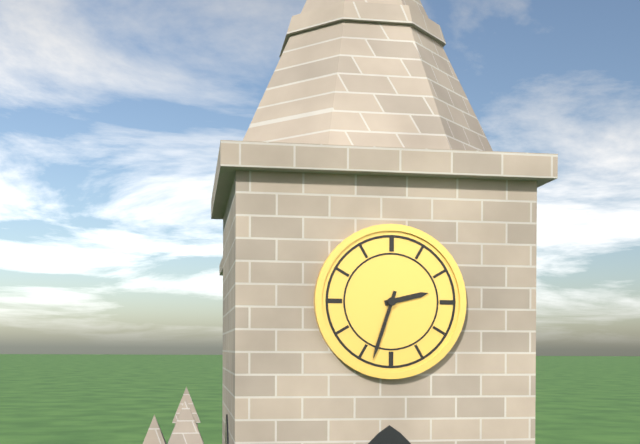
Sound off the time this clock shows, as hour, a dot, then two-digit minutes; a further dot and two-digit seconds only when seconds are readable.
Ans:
2.33
